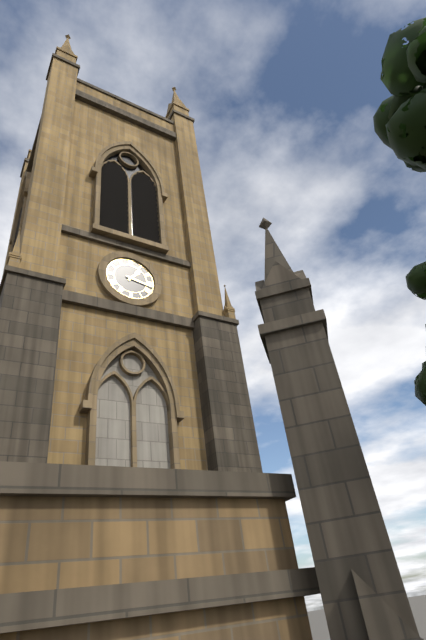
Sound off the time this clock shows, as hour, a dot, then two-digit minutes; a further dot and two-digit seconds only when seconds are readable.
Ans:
1.17
